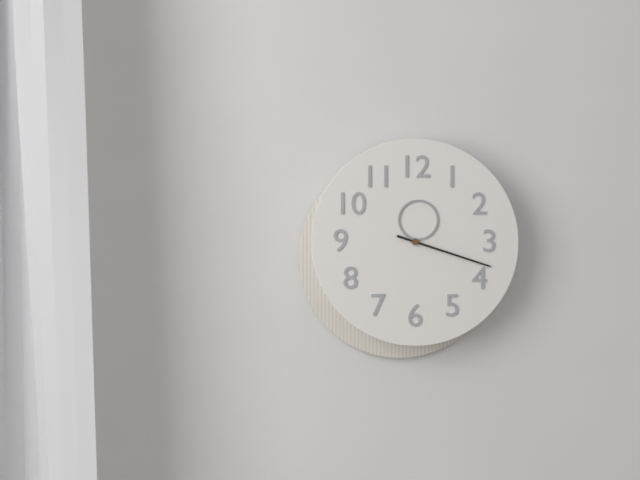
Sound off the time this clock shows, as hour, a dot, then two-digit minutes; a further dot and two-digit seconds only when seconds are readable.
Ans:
12.18
